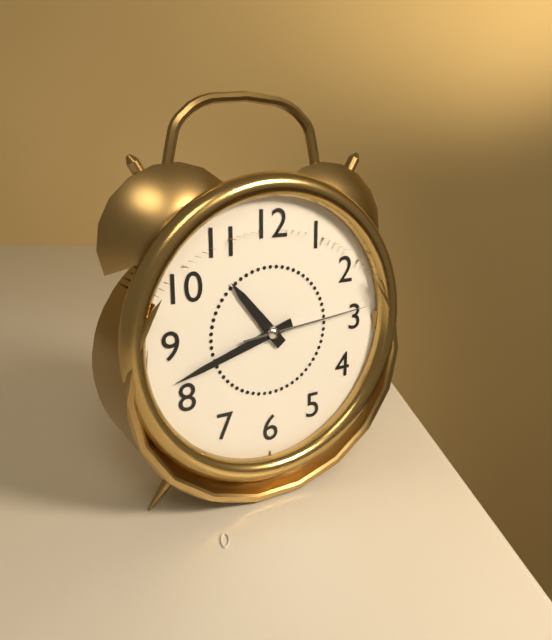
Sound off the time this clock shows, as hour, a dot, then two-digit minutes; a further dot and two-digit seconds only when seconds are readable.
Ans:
10.42.14
